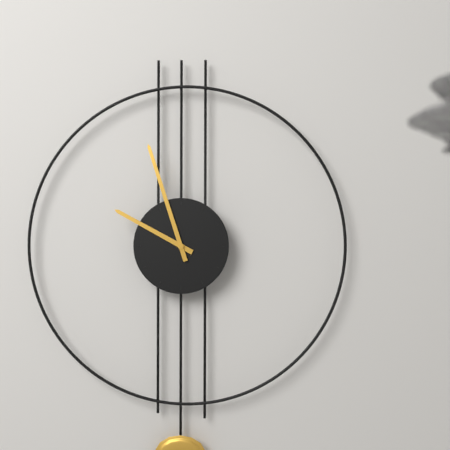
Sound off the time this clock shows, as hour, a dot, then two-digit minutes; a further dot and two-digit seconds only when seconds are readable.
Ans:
9.57
